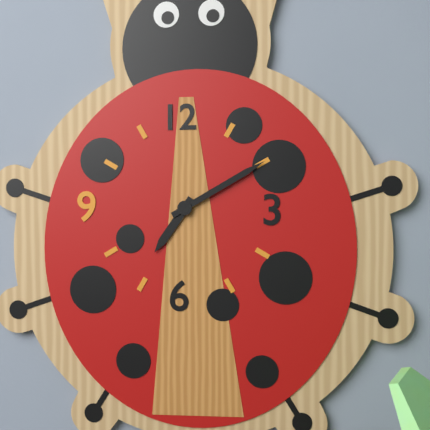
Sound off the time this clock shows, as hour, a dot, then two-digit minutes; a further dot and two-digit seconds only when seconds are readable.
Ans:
7.10
